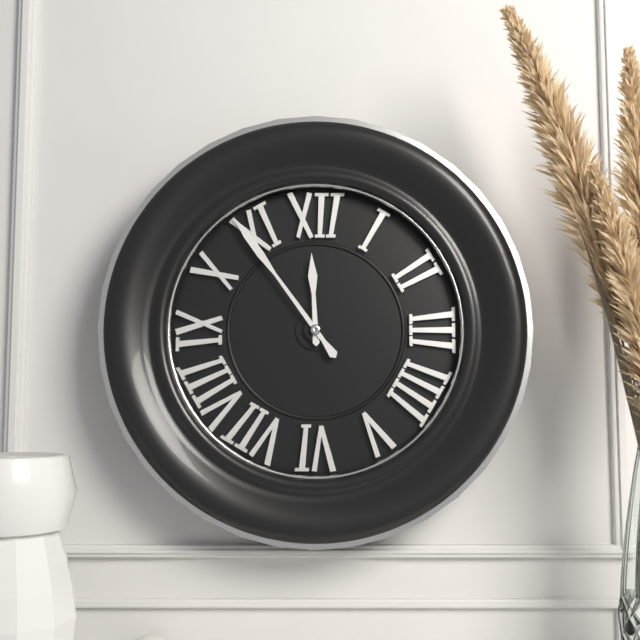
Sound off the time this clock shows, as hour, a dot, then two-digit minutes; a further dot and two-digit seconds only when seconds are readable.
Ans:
11.54
